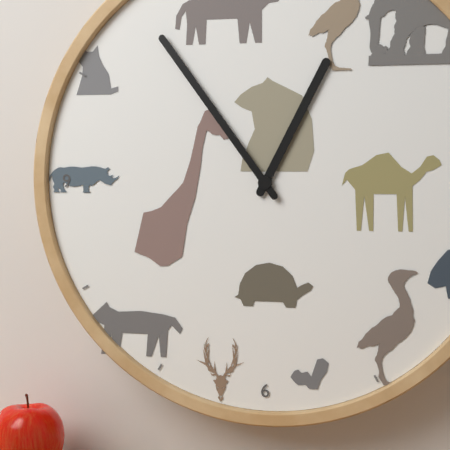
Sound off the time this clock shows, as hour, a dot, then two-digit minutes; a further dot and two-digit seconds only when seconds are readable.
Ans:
12.54
